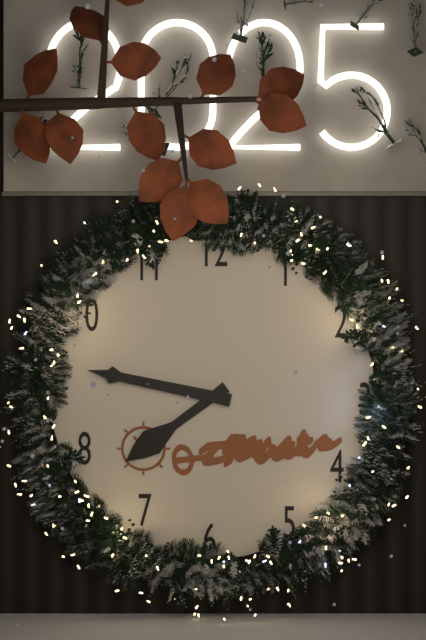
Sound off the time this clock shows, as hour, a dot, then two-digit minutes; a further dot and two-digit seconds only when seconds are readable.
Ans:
7.47
